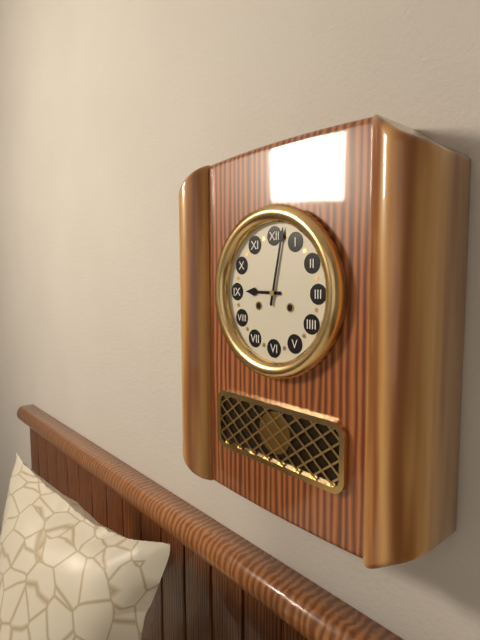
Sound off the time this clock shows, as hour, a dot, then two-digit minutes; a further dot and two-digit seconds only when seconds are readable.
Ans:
9.02
